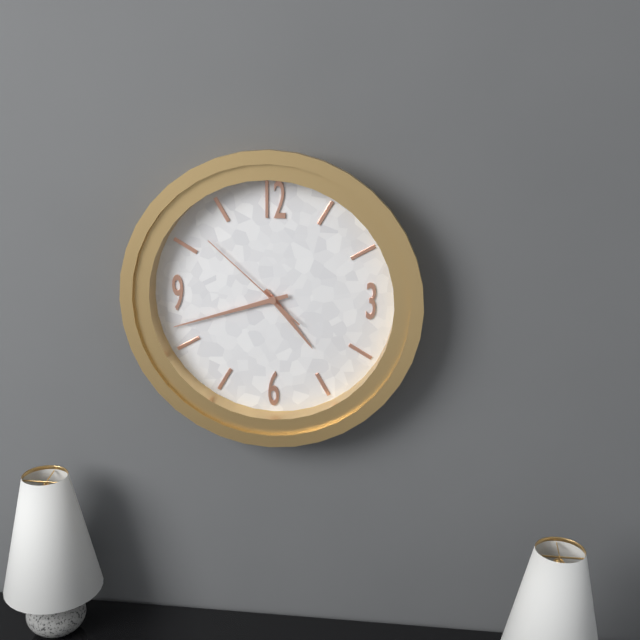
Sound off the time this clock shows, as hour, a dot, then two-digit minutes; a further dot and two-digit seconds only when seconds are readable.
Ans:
4.42.52
